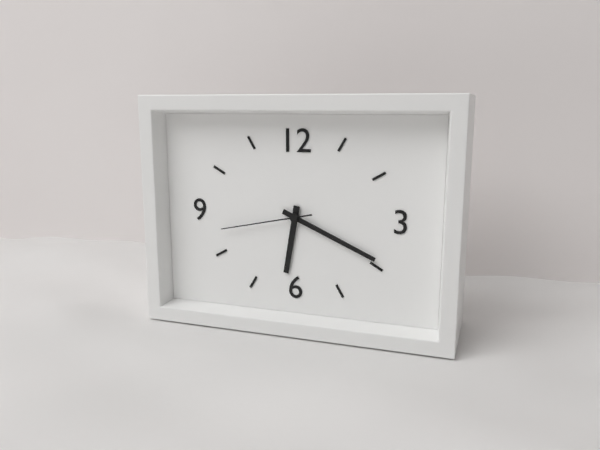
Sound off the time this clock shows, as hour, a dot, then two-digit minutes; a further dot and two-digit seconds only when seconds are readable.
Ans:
6.19.43
